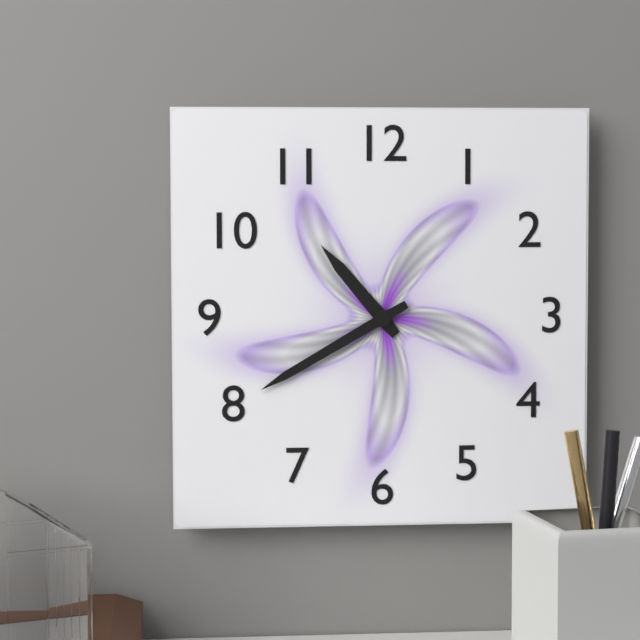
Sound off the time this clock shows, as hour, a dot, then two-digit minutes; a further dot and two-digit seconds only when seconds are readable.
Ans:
10.40
